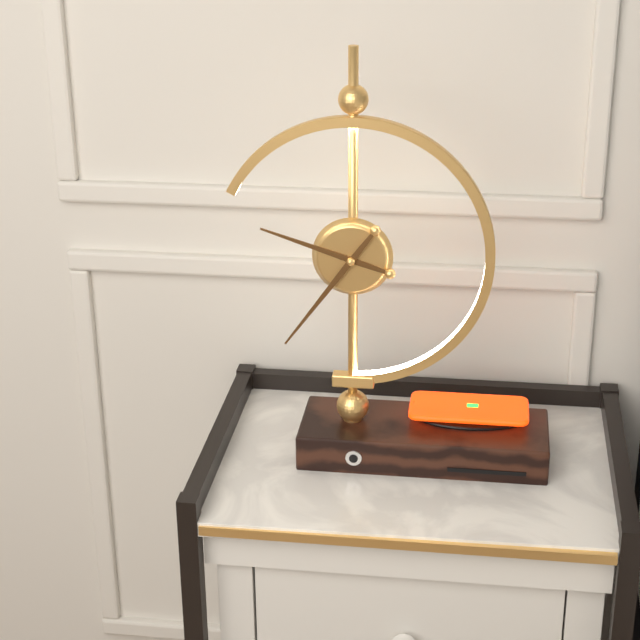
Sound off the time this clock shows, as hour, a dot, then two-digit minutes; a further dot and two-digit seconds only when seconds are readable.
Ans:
9.36
